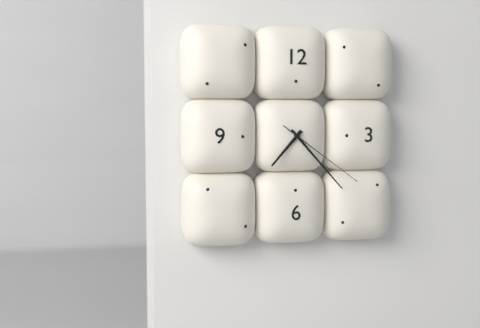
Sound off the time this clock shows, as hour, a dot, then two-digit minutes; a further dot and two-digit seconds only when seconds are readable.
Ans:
7.23.21
